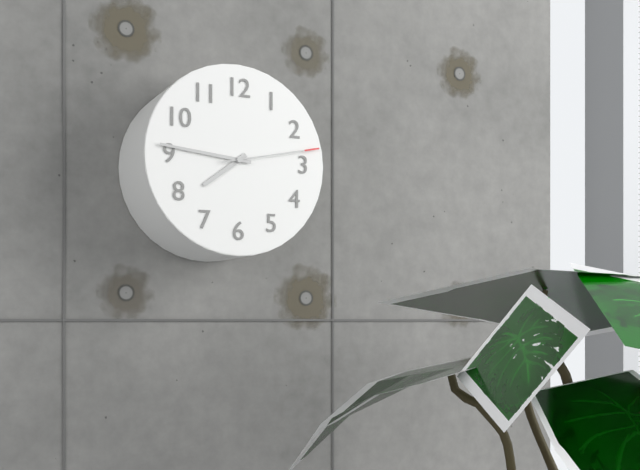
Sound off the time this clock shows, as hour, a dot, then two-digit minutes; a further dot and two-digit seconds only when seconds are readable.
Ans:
7.46.13
